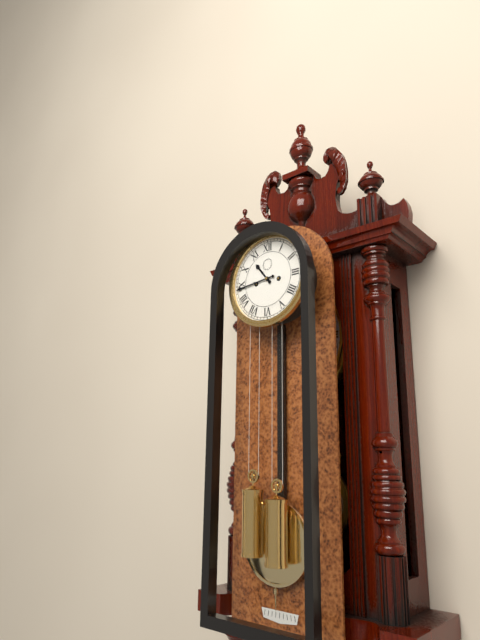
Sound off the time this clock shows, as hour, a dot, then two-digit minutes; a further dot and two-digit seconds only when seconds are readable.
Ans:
10.44
